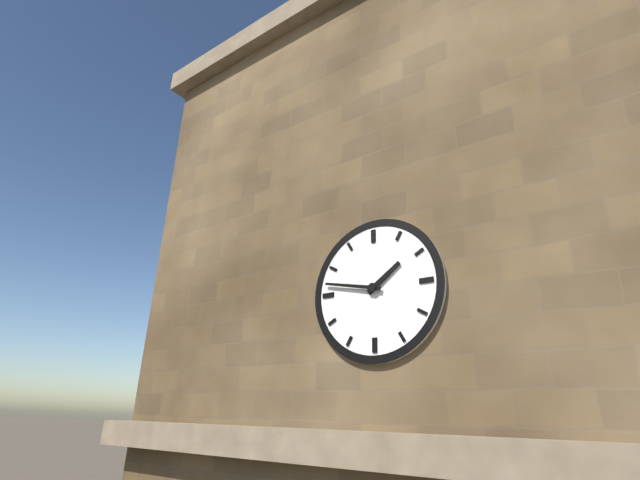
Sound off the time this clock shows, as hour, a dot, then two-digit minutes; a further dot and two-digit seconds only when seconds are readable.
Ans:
1.47
